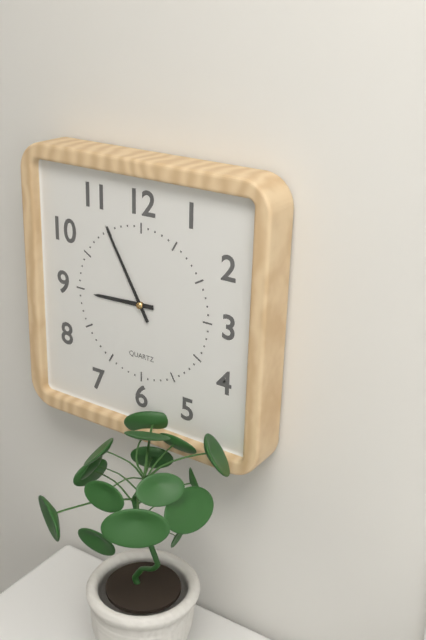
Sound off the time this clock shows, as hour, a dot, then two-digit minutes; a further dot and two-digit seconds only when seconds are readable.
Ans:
8.55
